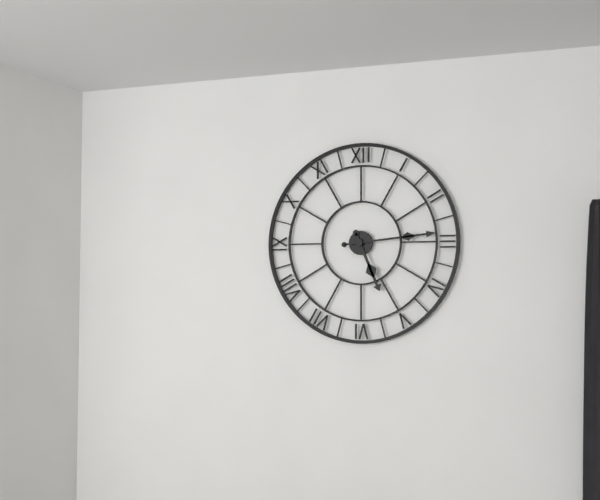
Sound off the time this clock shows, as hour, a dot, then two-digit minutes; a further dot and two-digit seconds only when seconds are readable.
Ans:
5.14
